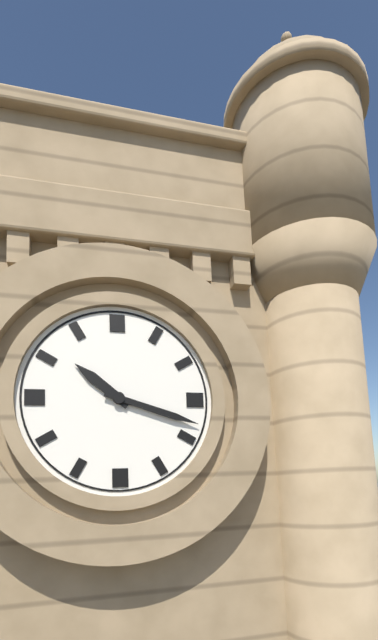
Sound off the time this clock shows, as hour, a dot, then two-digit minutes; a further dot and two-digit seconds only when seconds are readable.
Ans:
10.18
